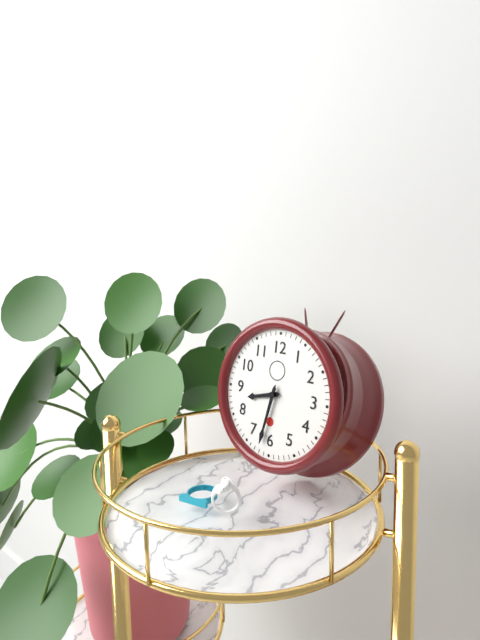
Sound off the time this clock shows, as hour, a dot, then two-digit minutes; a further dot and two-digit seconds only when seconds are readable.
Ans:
8.32
